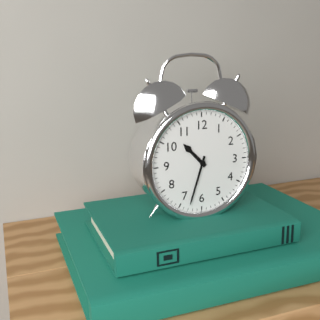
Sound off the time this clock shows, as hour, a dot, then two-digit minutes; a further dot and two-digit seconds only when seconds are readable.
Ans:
10.33
